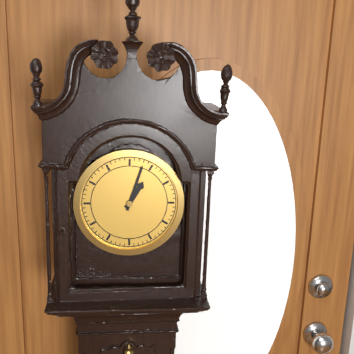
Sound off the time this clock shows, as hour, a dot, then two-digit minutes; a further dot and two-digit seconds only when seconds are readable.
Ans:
1.03
